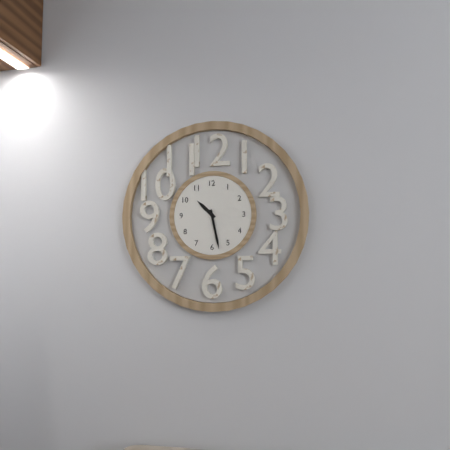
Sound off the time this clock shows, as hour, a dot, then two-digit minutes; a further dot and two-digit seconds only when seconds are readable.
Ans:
10.28
